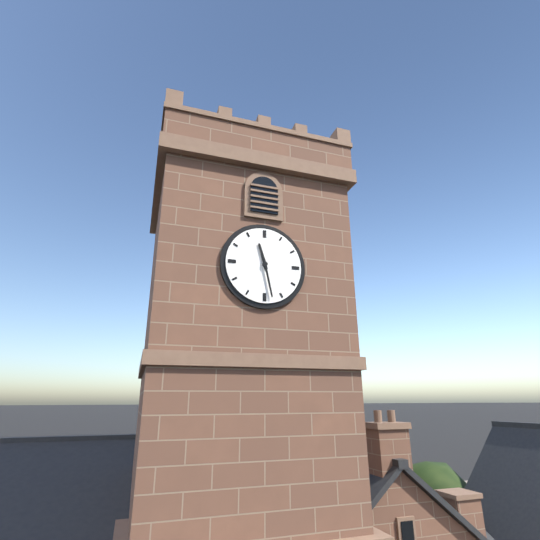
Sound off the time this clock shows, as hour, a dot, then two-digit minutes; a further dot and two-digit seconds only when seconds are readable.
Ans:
11.28
